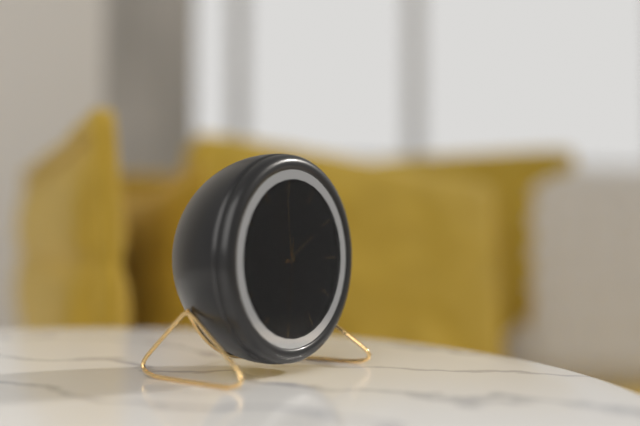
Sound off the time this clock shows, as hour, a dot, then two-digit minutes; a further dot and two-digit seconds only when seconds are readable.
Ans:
1.59.31
